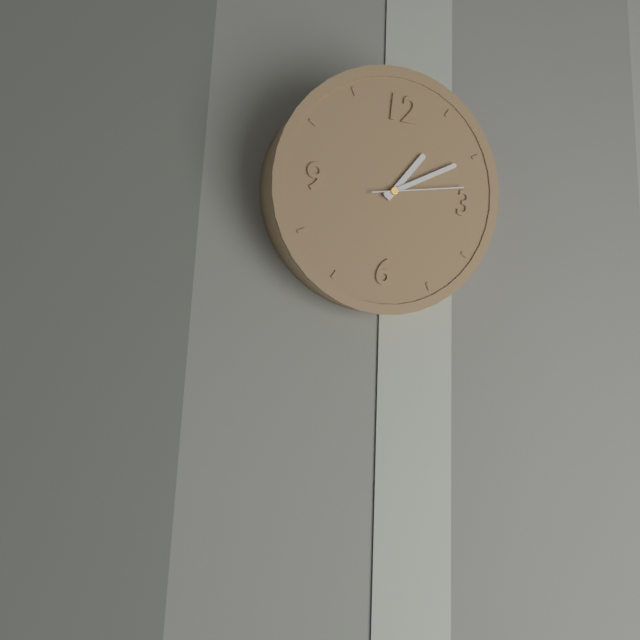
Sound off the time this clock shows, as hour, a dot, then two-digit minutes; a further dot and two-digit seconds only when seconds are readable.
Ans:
1.10.13
